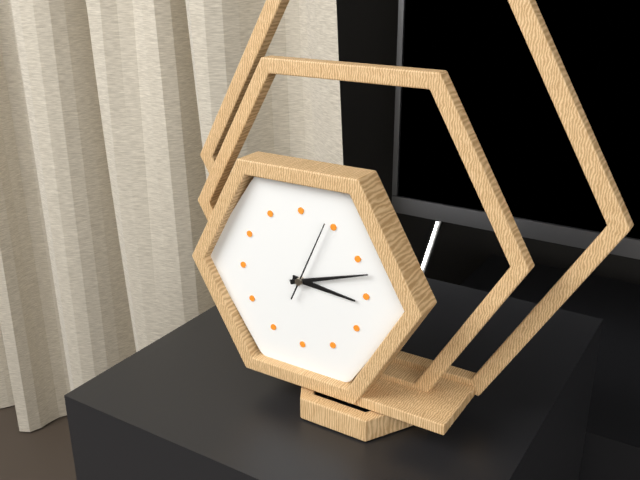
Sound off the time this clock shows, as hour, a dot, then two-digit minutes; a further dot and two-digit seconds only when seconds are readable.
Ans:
3.12.04
